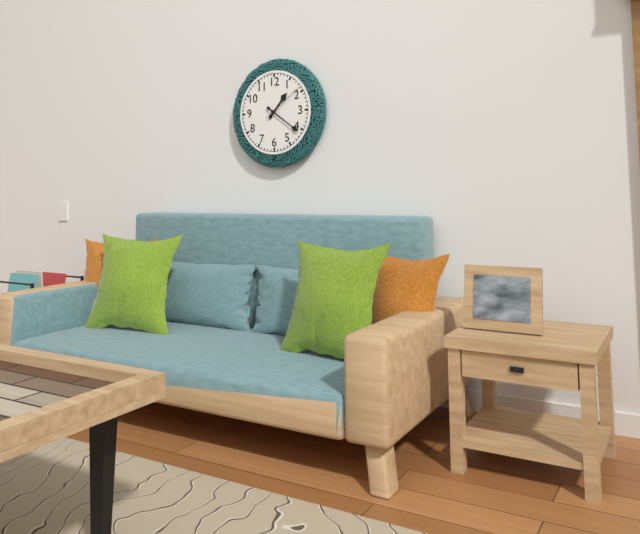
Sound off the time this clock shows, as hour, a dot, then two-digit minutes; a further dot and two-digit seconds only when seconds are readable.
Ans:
1.21
